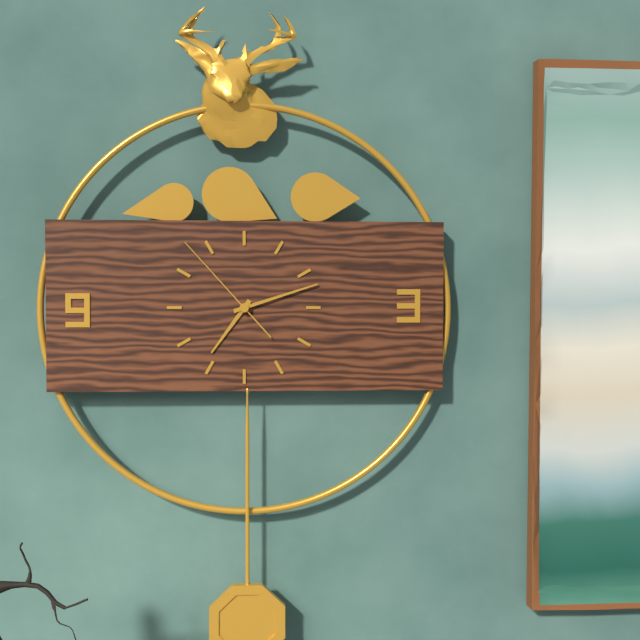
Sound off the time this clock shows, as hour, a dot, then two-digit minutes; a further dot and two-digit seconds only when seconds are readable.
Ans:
7.12.53
